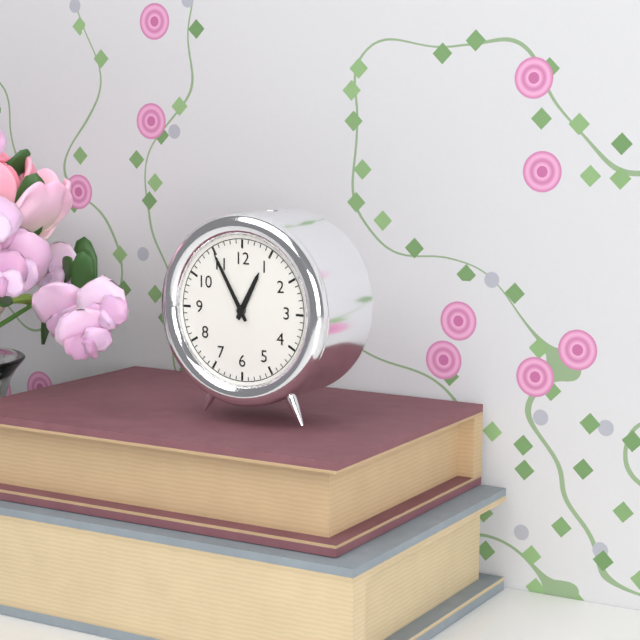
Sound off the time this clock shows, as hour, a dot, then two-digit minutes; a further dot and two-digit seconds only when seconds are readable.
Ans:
12.55
